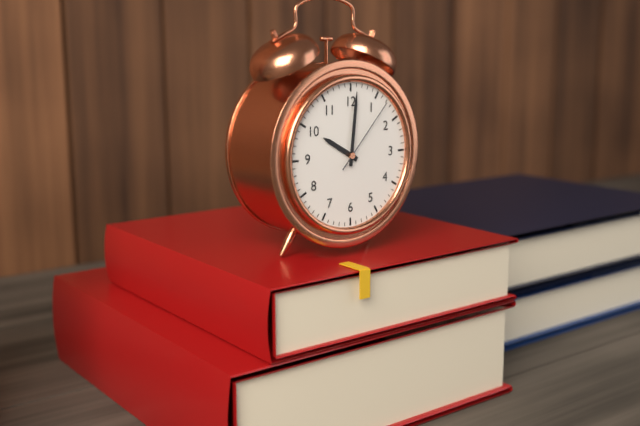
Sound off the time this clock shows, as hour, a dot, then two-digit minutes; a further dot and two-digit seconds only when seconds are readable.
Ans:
10.01.07
